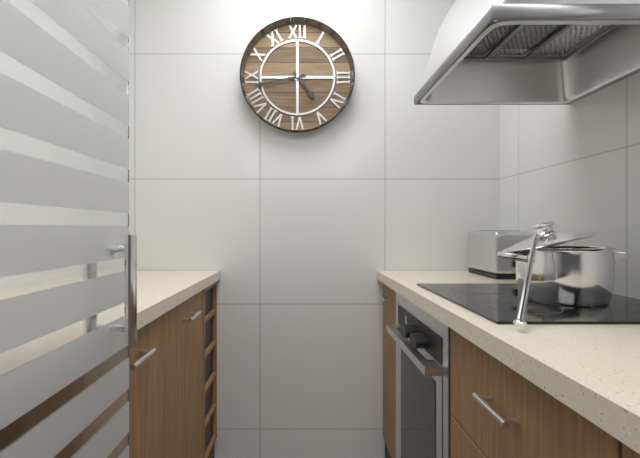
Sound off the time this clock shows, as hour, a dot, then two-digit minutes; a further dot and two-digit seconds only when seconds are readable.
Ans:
4.43
